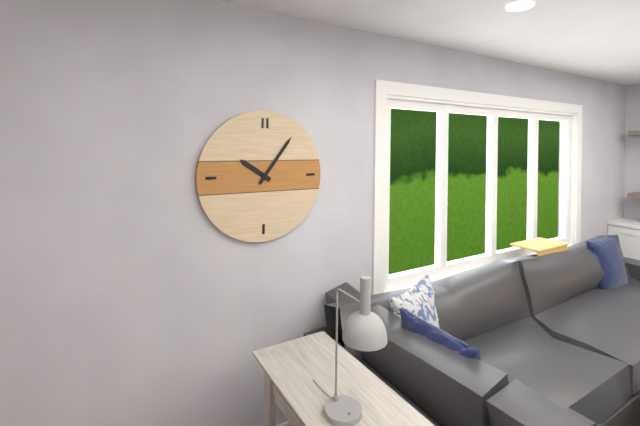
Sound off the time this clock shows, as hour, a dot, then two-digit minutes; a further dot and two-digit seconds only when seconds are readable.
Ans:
10.06
